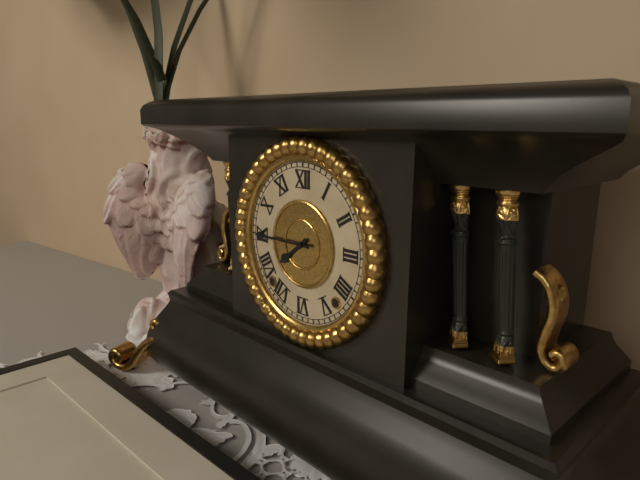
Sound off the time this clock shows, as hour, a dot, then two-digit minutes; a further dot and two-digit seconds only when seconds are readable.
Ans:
7.45
